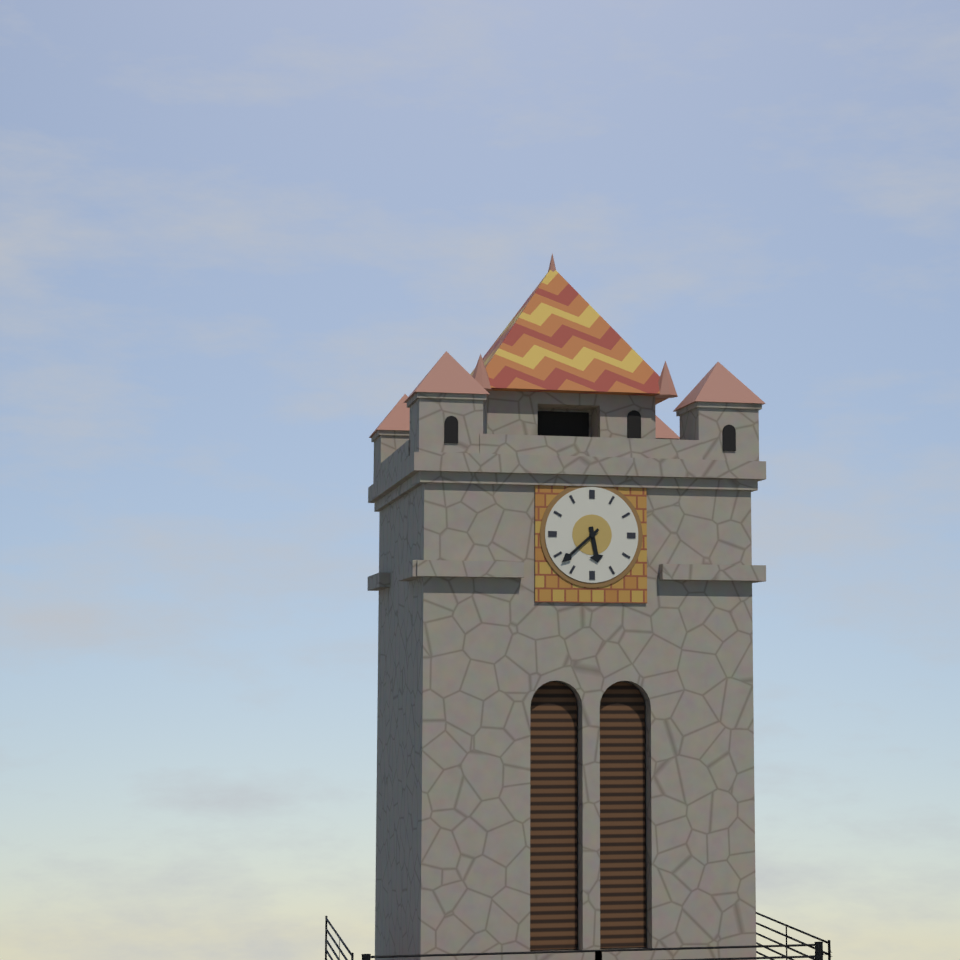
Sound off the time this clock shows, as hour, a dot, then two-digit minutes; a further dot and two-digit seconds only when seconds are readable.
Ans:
5.38
